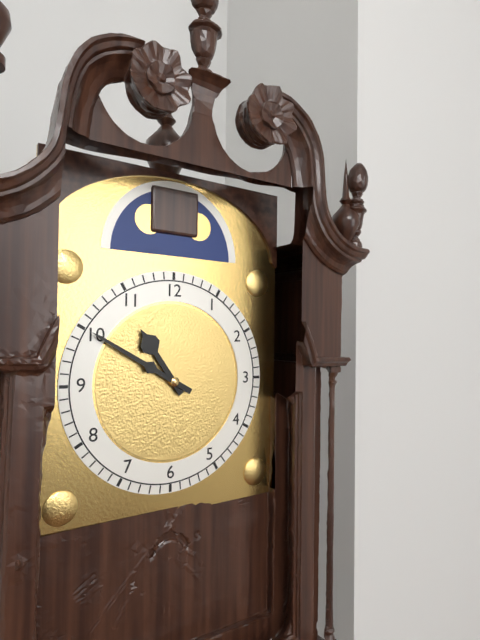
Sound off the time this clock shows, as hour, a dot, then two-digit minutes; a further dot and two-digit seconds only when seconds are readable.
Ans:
10.50
